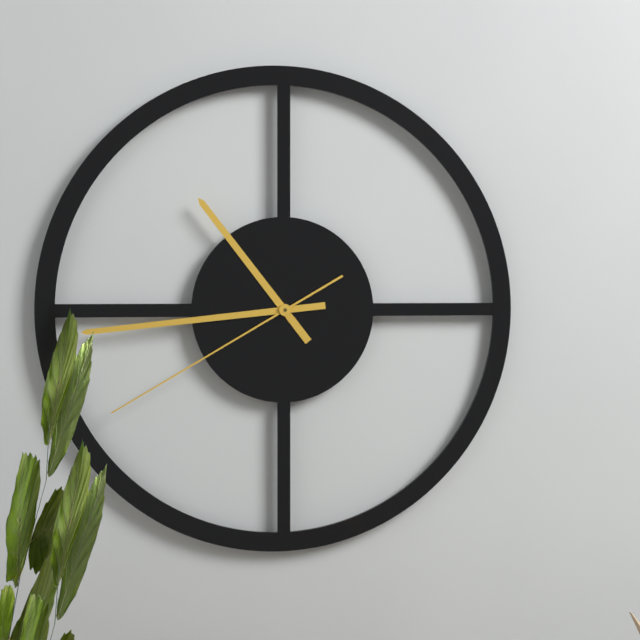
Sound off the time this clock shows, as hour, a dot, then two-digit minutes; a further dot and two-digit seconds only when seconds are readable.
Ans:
10.44.40
